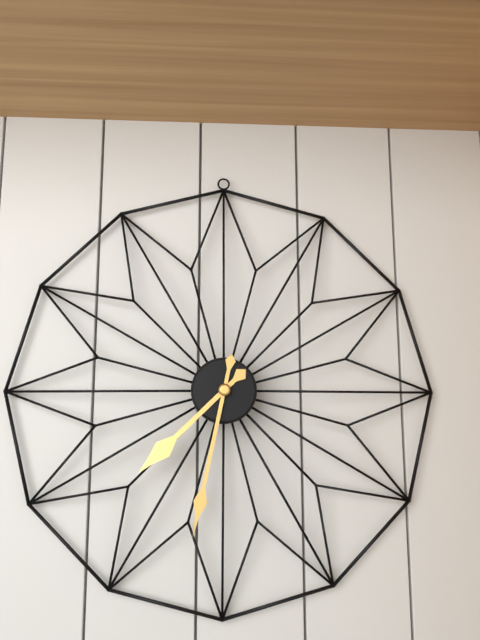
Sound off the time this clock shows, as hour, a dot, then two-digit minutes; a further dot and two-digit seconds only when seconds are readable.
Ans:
7.32
